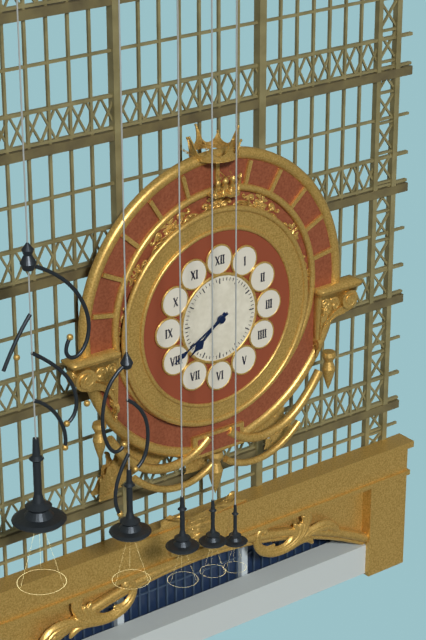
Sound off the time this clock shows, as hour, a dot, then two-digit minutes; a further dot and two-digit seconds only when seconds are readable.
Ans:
7.40
